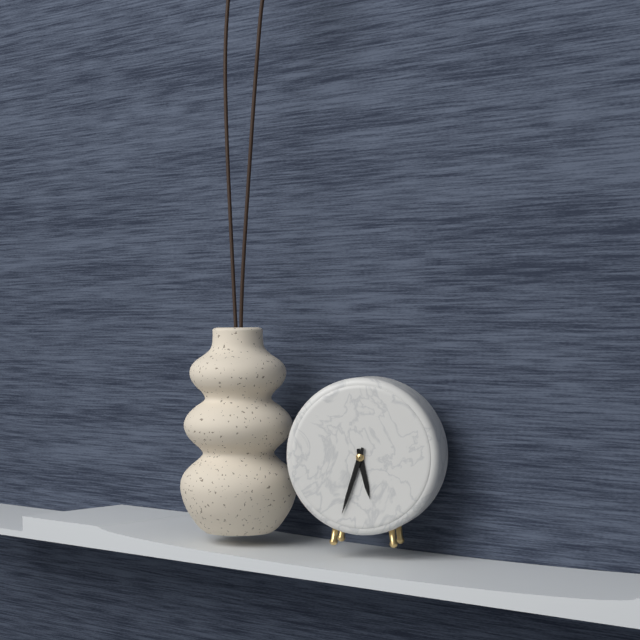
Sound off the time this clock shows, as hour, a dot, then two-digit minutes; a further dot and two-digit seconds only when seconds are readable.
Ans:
5.33
